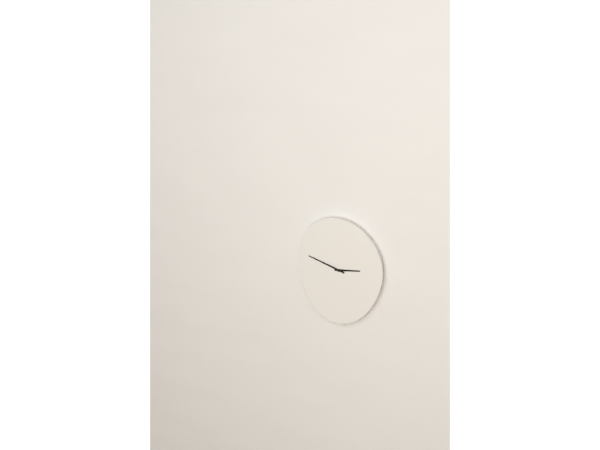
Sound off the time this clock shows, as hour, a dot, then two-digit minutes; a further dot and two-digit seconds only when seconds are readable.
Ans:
2.48
